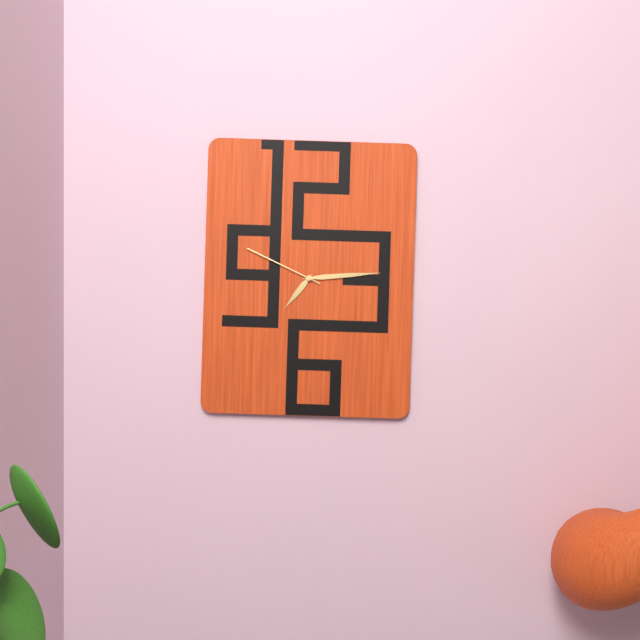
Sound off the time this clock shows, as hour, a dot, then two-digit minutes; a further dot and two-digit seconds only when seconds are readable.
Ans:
7.14.49
